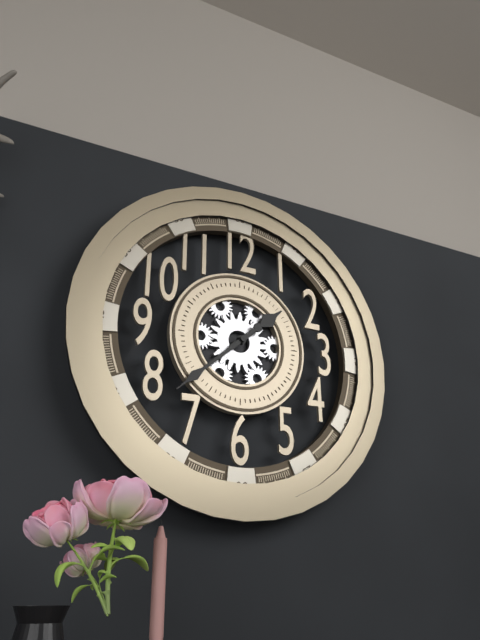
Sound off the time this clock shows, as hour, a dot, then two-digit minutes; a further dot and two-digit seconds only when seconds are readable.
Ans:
1.38
